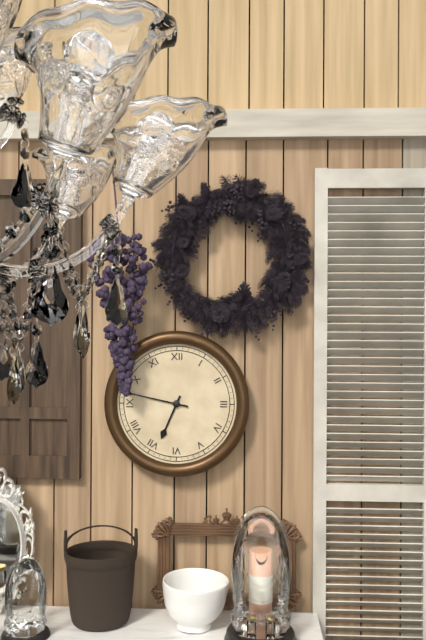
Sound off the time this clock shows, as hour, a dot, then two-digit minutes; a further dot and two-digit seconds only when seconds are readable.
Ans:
6.47
